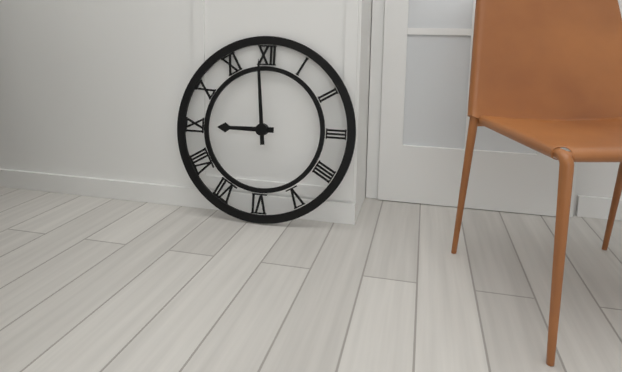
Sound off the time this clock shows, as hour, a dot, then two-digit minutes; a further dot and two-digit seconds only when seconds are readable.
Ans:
8.59
